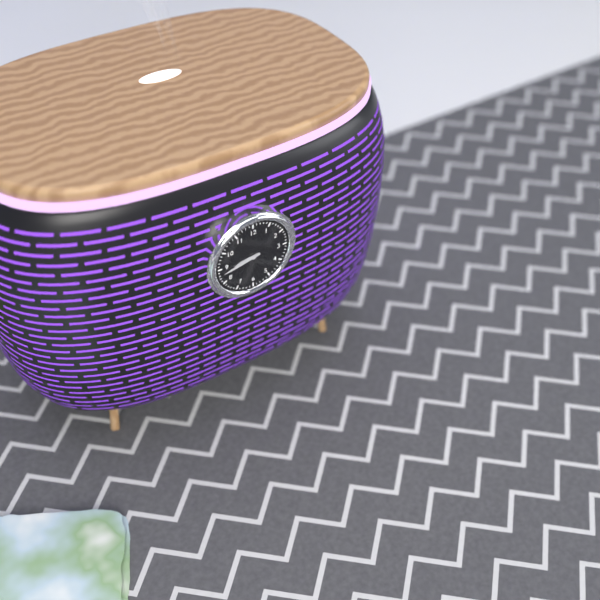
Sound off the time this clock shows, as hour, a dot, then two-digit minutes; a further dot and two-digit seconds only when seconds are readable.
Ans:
8.43
